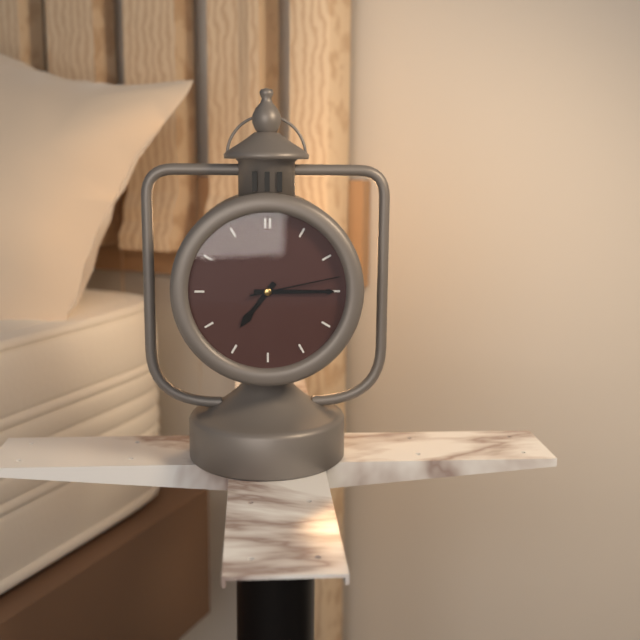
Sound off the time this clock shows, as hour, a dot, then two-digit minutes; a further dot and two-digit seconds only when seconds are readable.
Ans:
7.15.13
